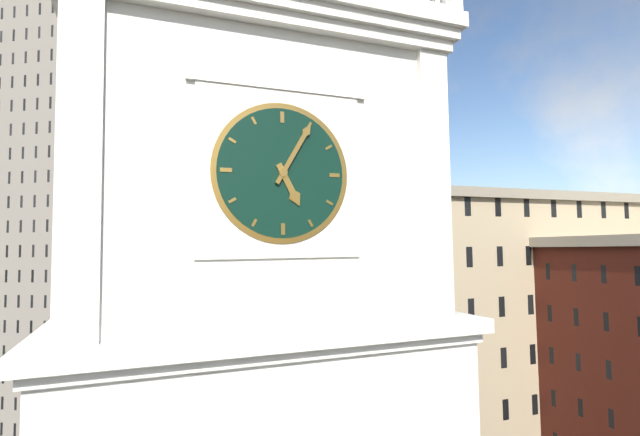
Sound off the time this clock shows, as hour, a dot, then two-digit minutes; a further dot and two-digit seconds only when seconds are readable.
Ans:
5.05
